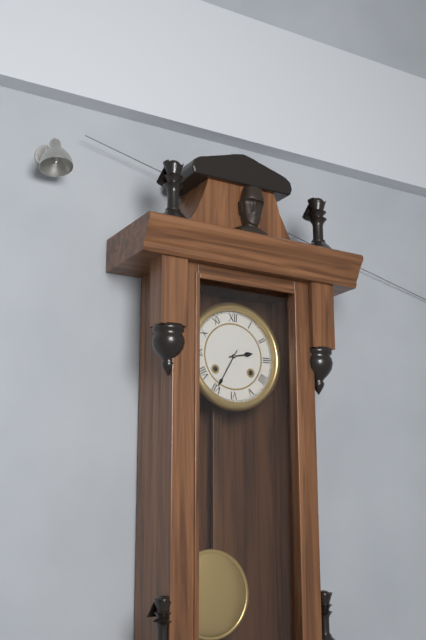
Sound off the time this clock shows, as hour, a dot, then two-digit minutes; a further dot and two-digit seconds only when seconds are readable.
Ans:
2.35
